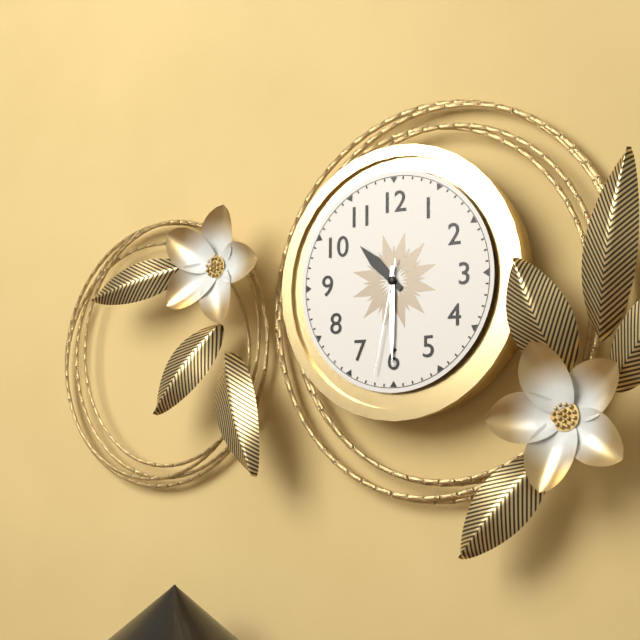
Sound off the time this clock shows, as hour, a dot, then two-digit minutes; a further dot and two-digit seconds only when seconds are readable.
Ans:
10.30.32
